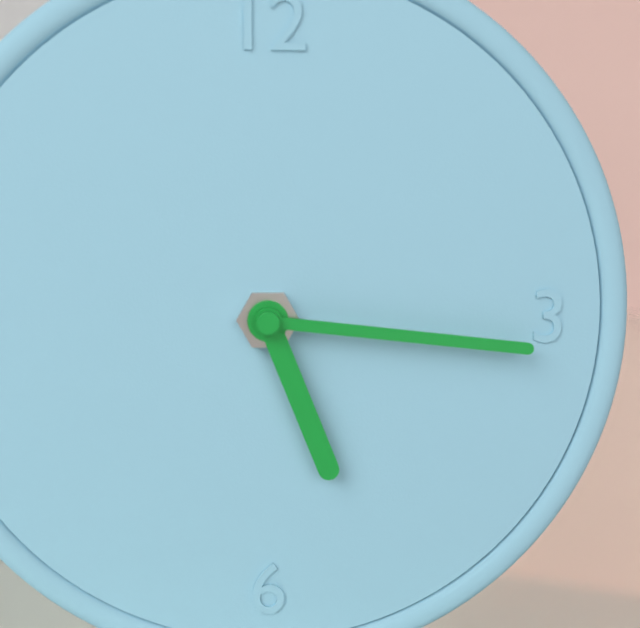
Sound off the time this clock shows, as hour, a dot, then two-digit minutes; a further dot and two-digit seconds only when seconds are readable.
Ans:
5.16
